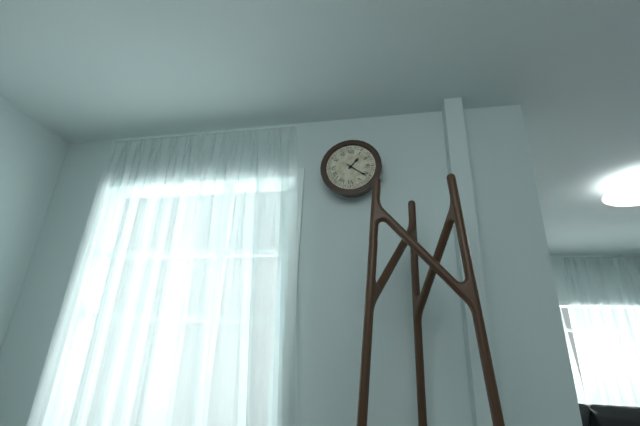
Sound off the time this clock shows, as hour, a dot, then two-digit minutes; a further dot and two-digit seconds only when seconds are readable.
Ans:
1.21
